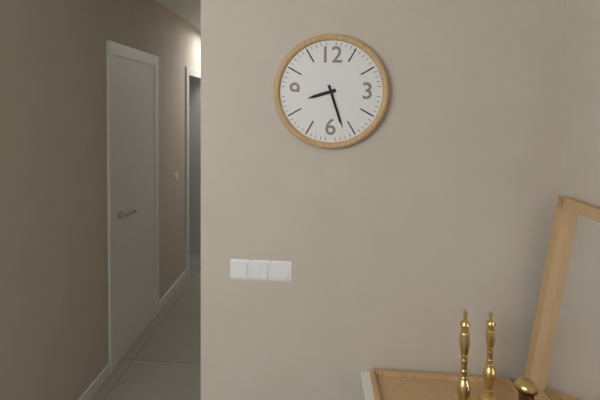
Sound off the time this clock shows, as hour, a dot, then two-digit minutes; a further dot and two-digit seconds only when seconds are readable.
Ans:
8.27
